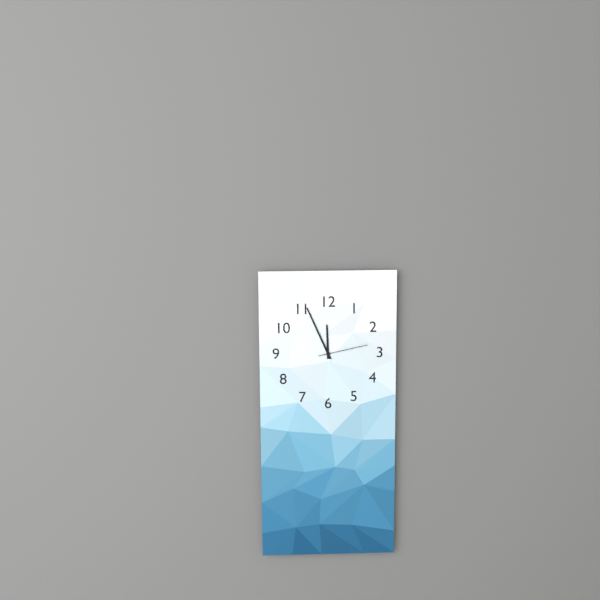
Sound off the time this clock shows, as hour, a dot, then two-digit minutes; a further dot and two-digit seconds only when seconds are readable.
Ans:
11.56.13
